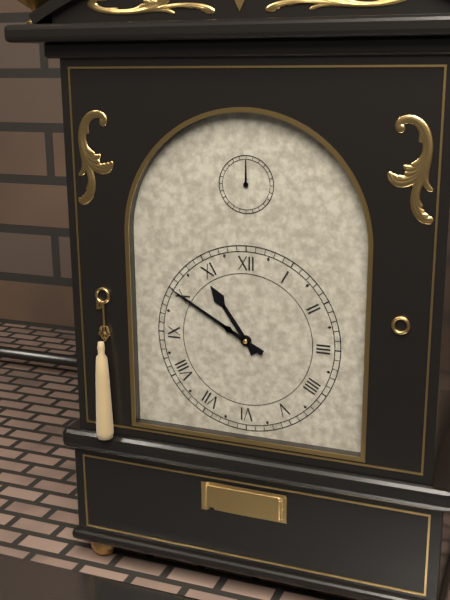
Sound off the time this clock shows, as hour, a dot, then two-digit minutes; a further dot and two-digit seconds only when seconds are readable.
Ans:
10.50
